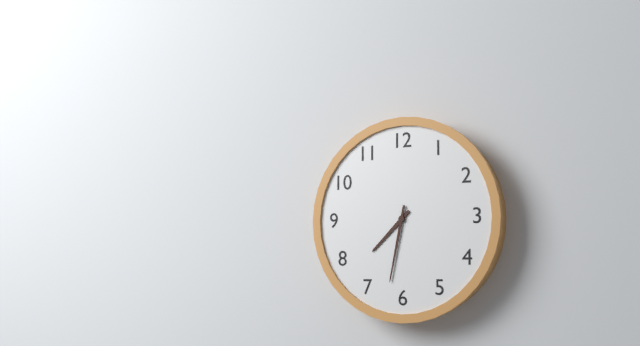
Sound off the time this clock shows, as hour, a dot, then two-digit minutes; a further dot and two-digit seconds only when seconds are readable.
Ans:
7.32
